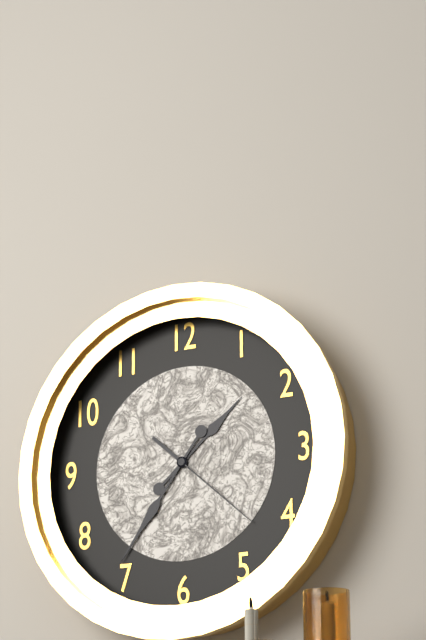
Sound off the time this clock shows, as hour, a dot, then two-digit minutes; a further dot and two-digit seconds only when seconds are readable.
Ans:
1.36.22
